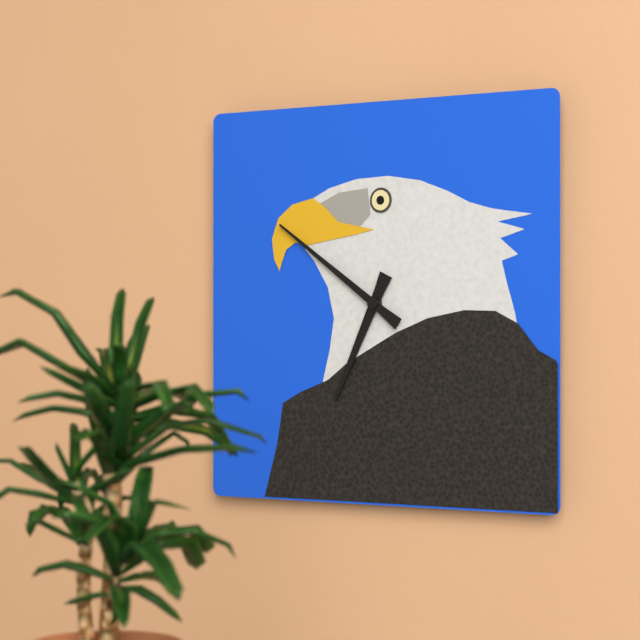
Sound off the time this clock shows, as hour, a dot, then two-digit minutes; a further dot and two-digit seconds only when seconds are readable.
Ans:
6.51
